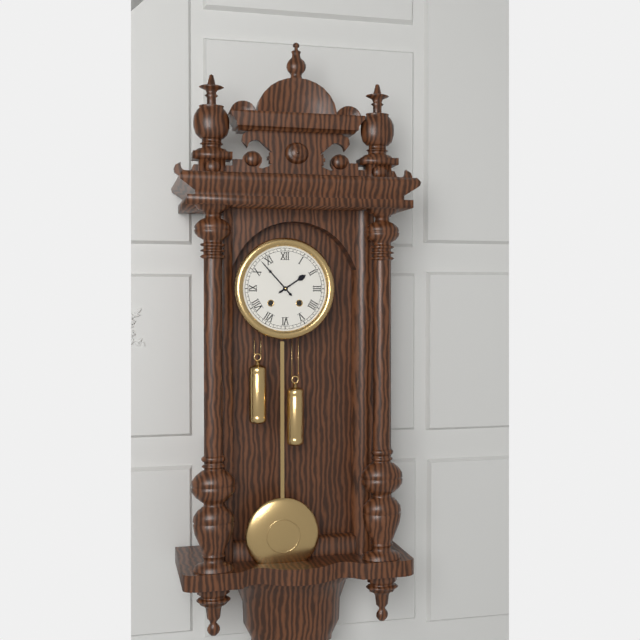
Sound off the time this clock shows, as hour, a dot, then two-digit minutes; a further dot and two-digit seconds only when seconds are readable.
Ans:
1.53
